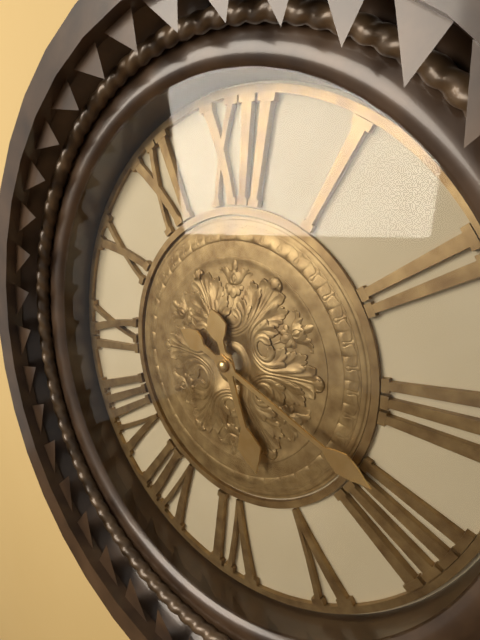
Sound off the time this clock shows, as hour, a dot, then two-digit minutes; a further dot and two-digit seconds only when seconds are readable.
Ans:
5.19
